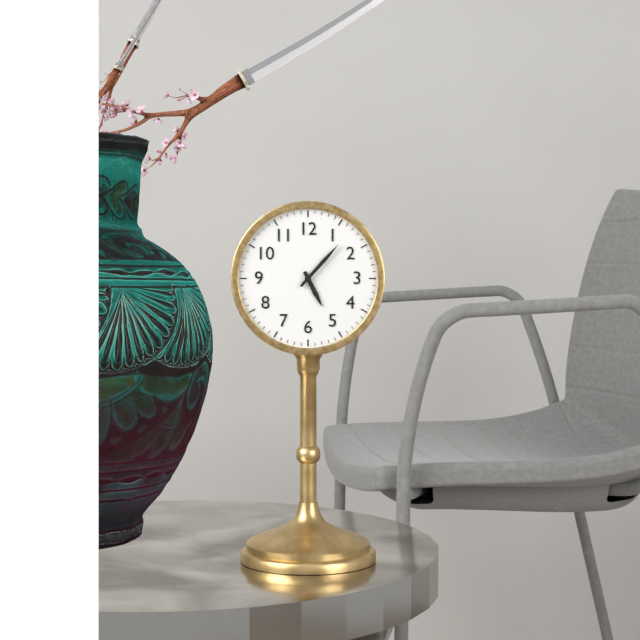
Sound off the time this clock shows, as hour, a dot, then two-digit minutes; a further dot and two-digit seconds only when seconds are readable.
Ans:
5.07
